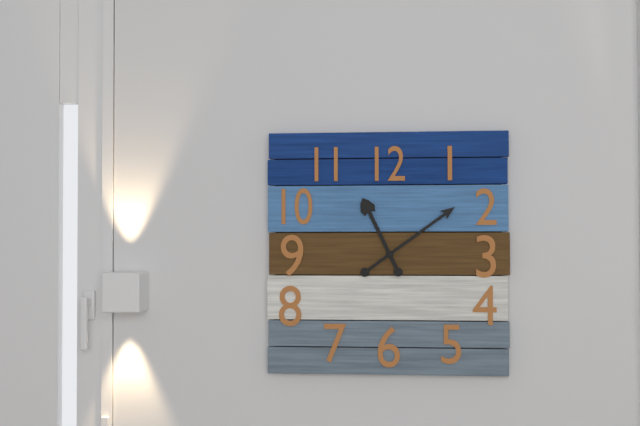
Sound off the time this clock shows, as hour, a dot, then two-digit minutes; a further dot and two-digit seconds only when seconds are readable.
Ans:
11.09
